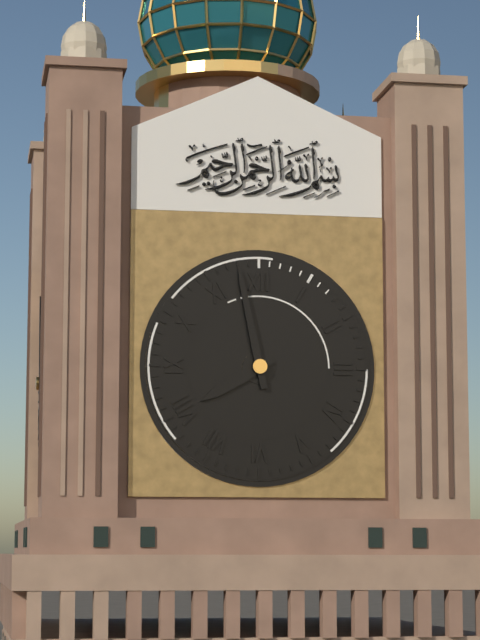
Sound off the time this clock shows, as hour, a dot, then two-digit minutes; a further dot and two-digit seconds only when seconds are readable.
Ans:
7.58
